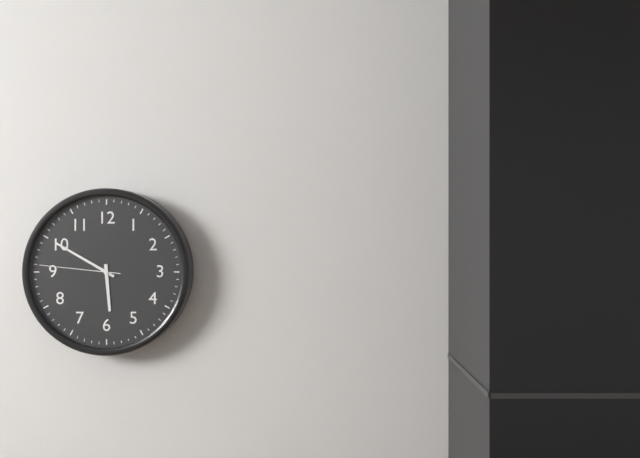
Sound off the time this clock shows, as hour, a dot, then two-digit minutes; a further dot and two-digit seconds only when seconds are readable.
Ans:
5.50.46
